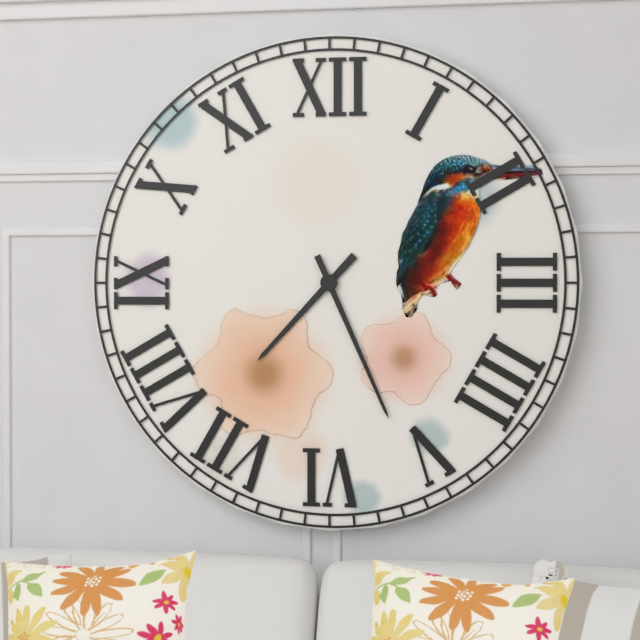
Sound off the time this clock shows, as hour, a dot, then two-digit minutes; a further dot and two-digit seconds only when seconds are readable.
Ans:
7.26
